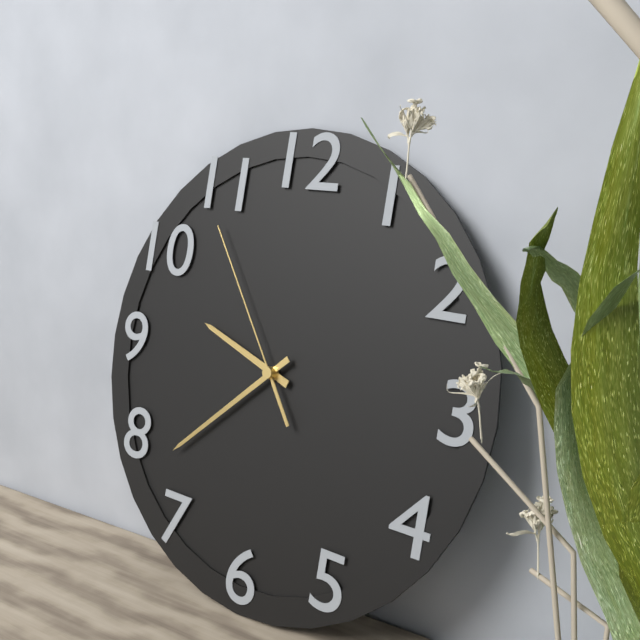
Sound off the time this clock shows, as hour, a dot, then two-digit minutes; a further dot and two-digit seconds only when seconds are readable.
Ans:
9.38.54
